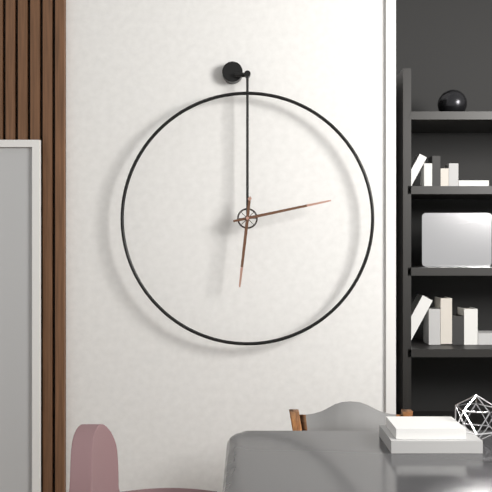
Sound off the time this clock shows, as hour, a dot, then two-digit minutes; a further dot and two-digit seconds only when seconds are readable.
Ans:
6.13
